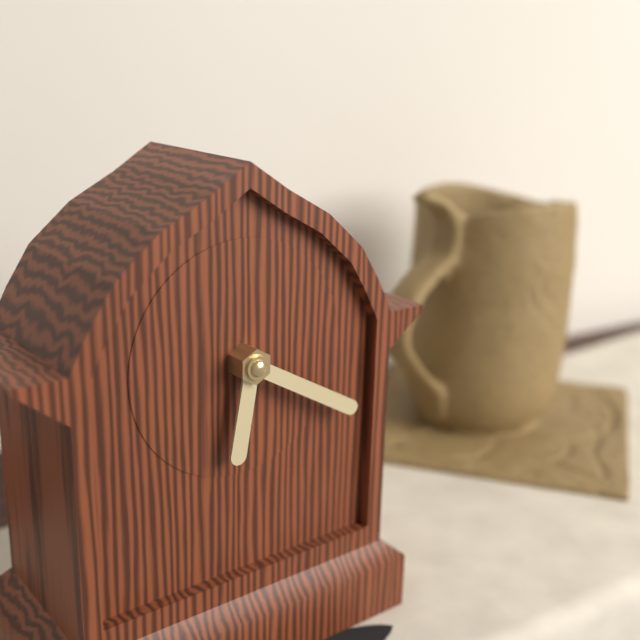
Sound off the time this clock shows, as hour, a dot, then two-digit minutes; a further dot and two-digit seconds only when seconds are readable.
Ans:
6.20
